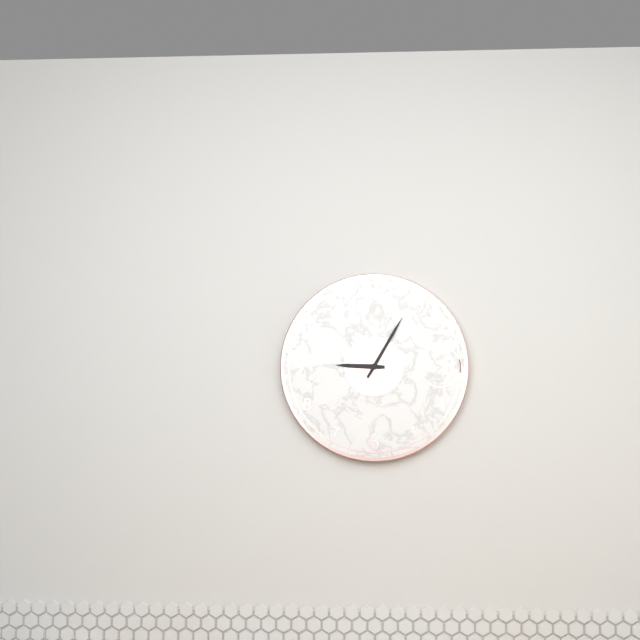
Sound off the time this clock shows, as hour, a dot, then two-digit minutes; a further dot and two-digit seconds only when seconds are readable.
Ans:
9.05
